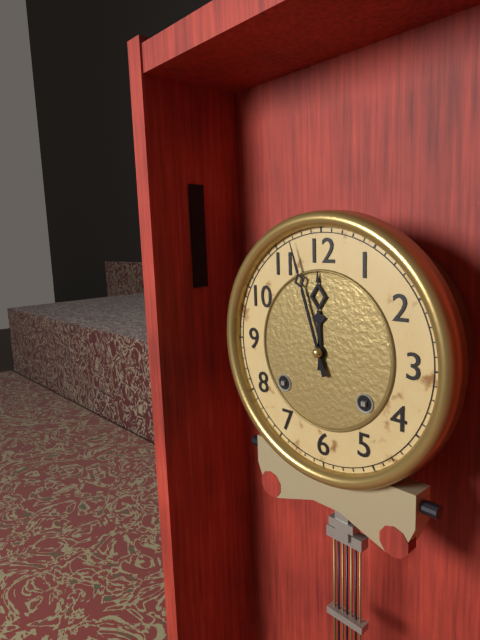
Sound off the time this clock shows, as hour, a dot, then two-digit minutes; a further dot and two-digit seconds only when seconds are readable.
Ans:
11.57
